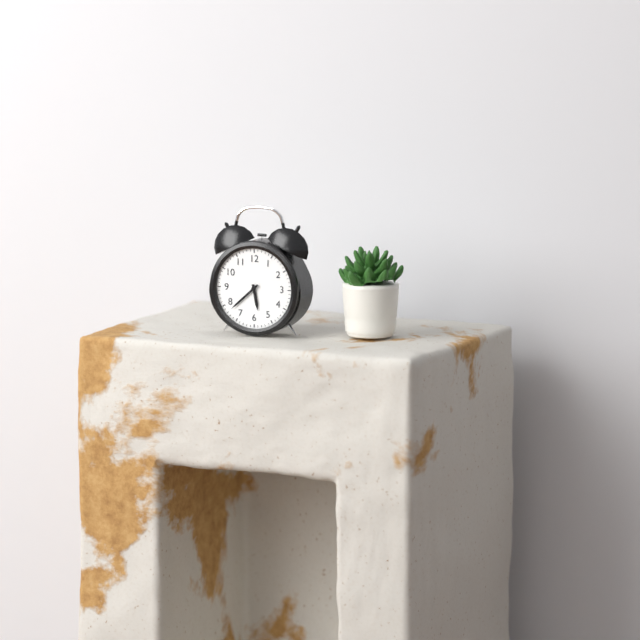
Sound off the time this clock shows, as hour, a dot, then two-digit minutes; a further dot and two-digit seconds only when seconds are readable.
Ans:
5.38
